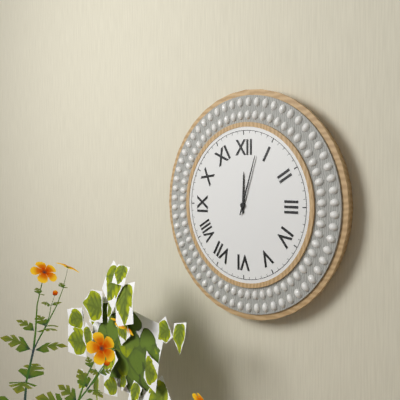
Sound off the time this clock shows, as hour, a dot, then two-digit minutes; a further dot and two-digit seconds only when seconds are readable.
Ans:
12.03
